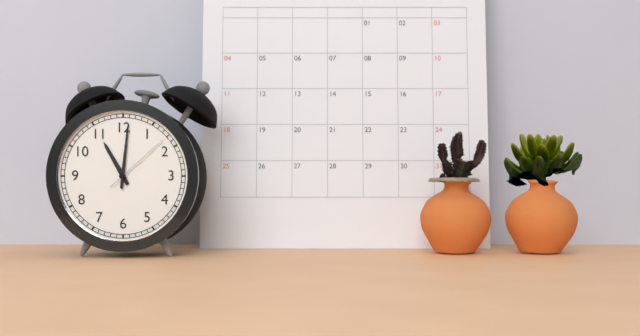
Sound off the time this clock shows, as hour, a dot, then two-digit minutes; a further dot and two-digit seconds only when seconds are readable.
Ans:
11.01.08
